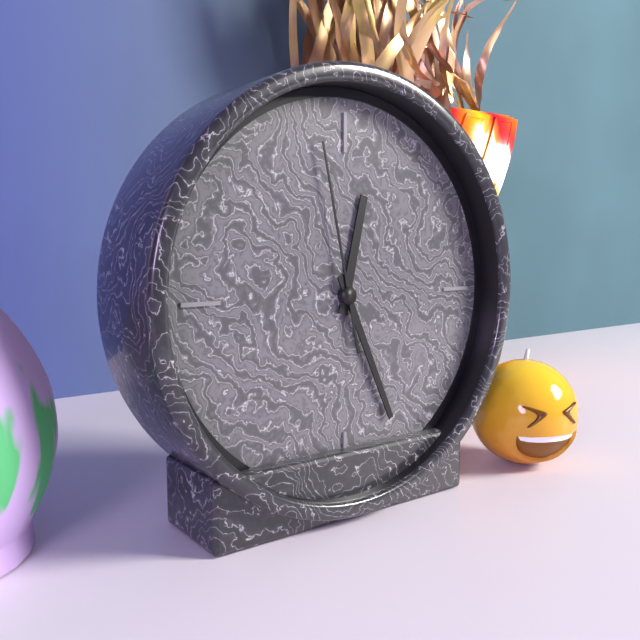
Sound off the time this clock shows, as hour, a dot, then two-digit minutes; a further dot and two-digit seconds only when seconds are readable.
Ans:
12.26.58
